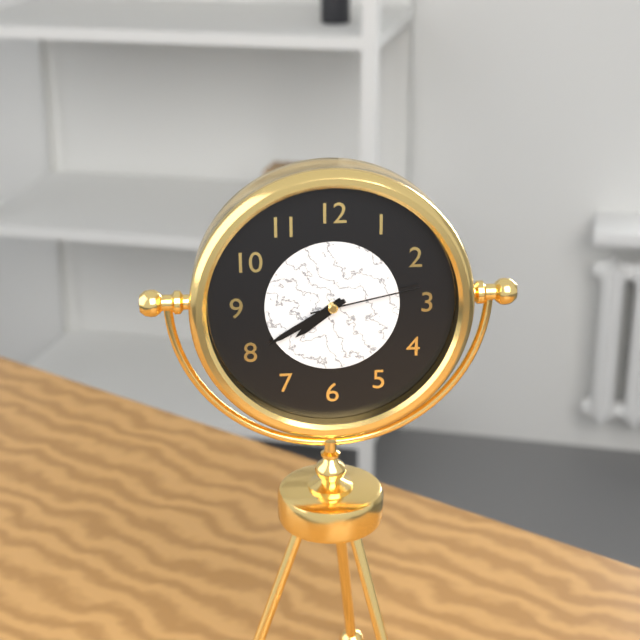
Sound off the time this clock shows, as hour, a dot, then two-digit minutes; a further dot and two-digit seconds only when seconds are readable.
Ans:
7.40.13
